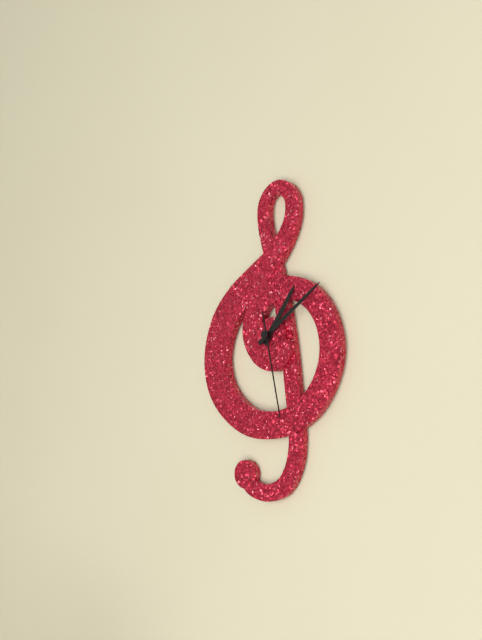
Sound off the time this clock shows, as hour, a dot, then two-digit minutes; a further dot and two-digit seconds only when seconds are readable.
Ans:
1.09.28
